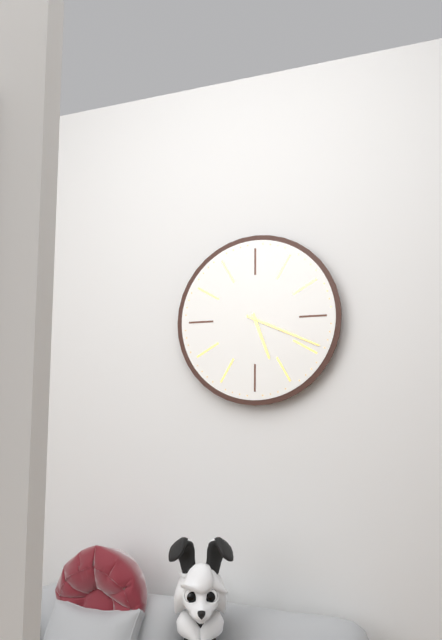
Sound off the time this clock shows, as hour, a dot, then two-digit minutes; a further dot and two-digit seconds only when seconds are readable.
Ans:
5.19
